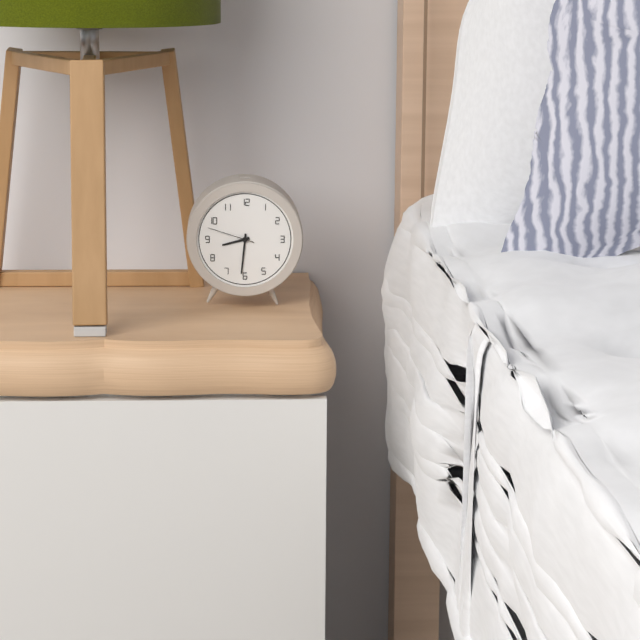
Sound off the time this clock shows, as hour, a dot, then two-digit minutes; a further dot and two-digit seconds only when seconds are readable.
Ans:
8.31
